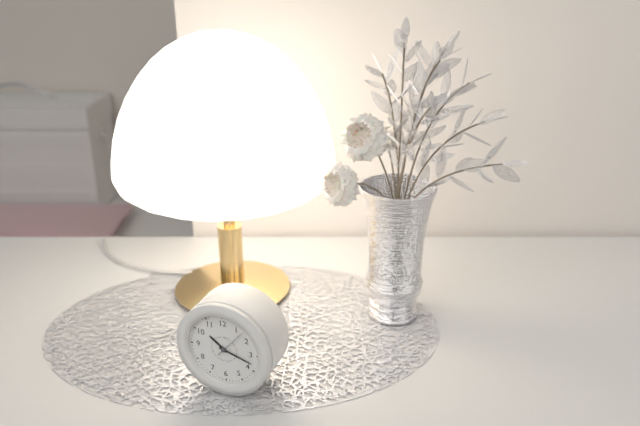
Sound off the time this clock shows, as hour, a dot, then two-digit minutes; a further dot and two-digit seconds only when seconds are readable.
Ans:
10.18
